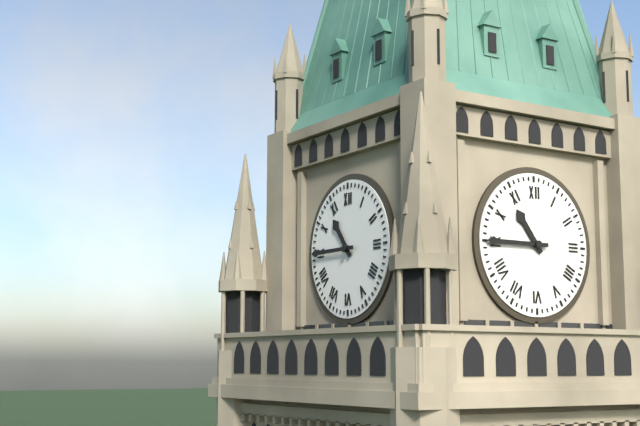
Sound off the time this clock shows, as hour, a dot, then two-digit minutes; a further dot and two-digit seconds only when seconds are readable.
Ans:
10.45
